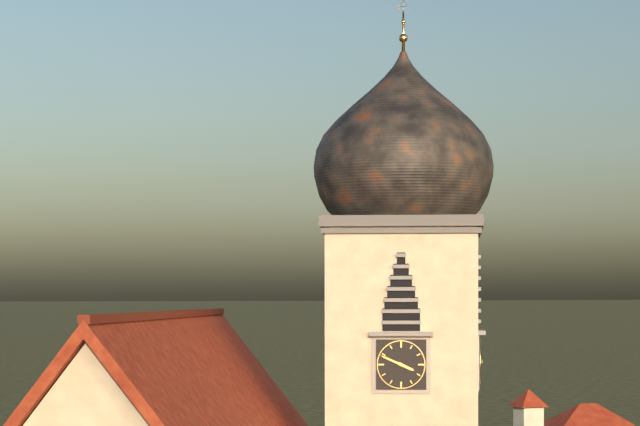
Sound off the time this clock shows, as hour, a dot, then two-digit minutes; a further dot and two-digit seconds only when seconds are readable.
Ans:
3.49
